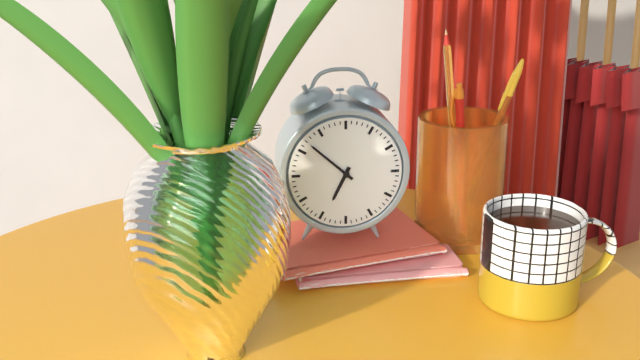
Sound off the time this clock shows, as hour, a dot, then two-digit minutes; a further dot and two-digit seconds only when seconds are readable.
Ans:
6.52
